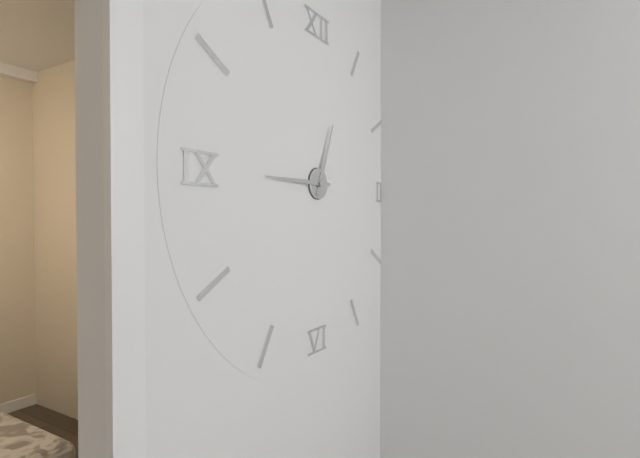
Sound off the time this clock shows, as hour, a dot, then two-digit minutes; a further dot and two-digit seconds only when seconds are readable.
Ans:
12.45
